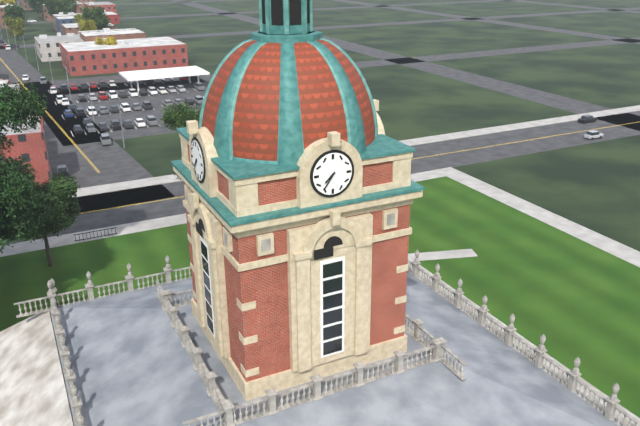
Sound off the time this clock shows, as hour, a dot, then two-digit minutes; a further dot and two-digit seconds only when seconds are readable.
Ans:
7.36
